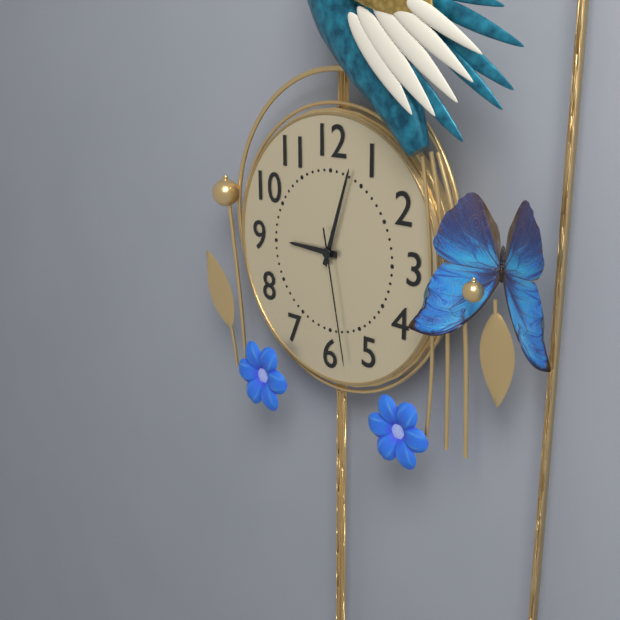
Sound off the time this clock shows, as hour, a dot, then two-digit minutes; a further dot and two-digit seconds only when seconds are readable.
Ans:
9.03.28
